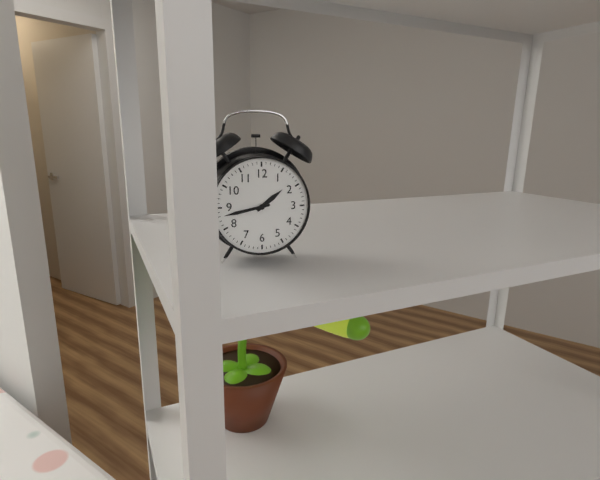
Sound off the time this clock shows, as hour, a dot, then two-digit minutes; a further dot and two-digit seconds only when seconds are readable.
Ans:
1.43
